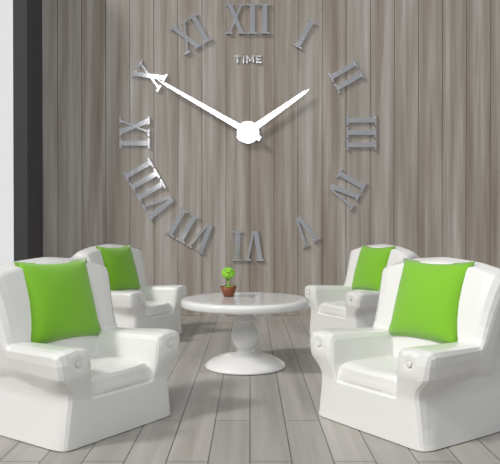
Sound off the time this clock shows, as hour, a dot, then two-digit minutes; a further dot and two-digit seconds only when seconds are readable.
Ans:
1.50
